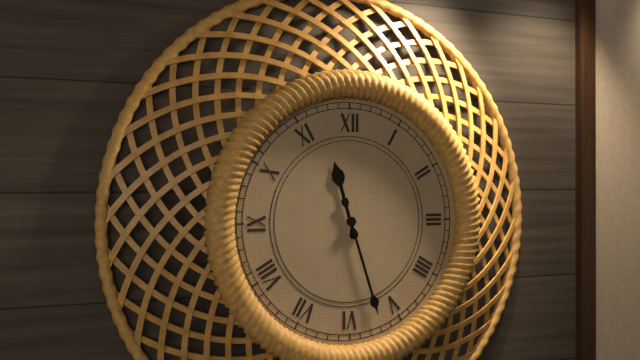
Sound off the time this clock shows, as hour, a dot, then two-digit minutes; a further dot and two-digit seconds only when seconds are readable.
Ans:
11.27
